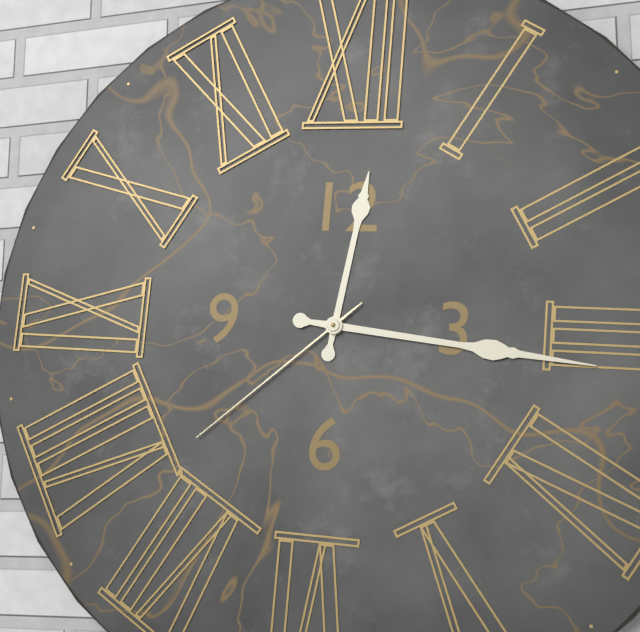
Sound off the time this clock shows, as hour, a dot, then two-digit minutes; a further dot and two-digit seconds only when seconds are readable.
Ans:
12.16.38
